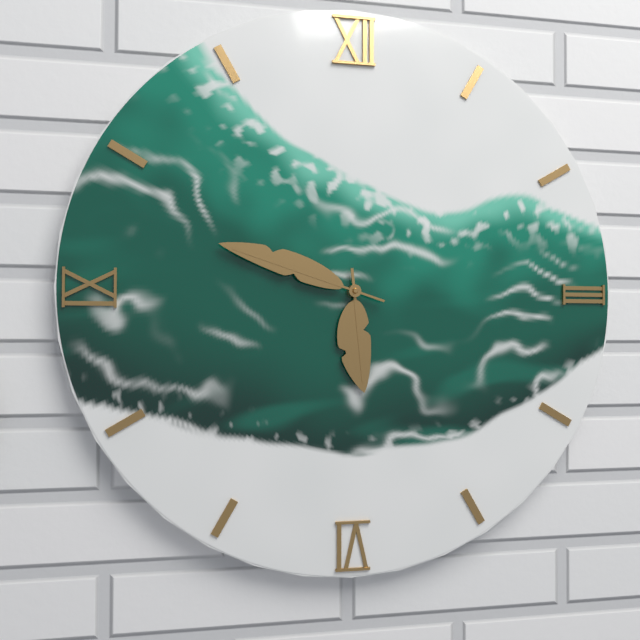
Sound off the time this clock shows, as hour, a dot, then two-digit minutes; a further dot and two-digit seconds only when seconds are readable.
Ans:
5.48
